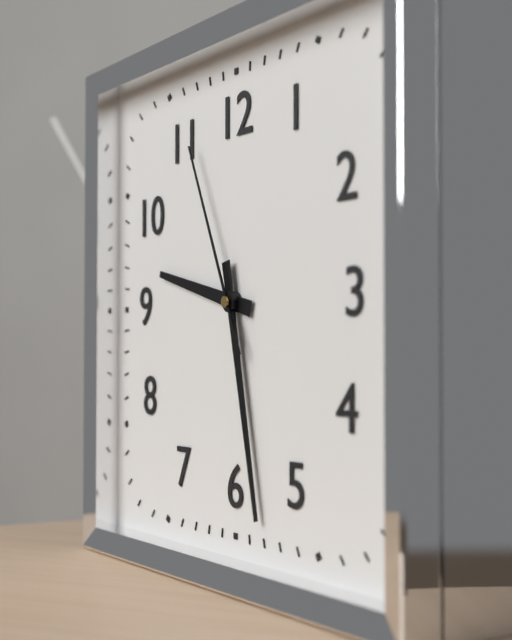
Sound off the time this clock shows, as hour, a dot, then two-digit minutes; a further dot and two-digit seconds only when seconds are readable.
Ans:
9.28.56
